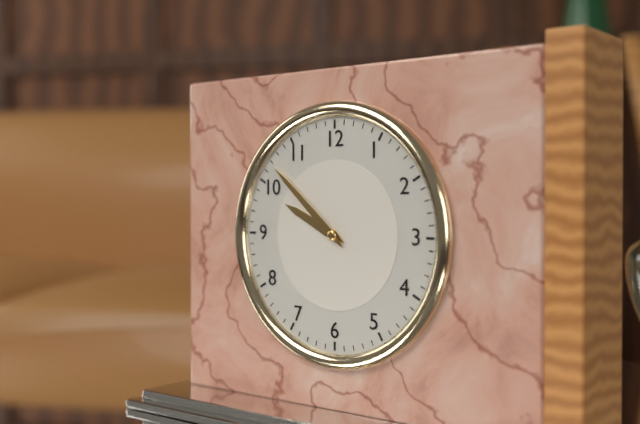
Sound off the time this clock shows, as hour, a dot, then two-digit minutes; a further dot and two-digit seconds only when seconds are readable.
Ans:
9.52
